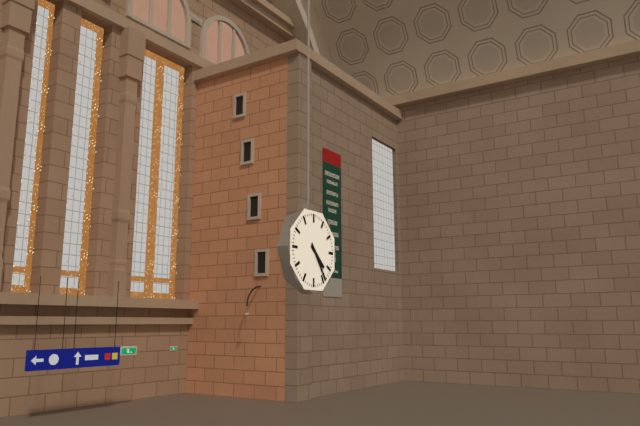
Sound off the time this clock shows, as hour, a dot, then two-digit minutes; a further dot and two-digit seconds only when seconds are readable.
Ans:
4.24
